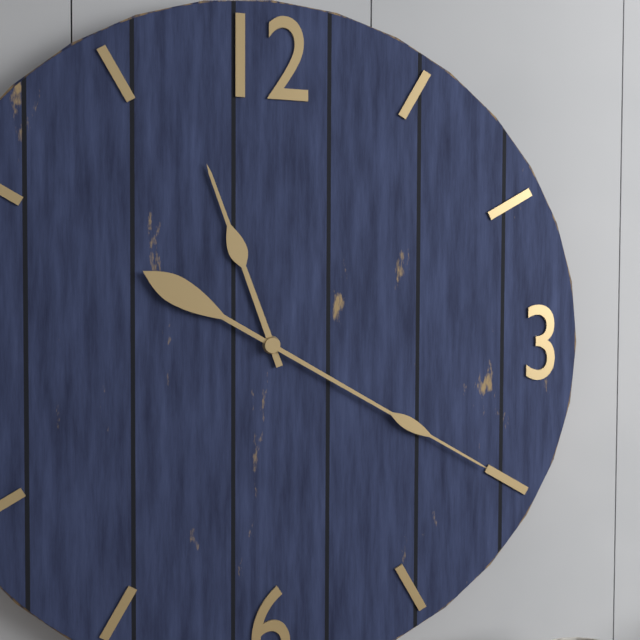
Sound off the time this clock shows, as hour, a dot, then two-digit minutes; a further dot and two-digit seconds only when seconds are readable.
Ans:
11.20
